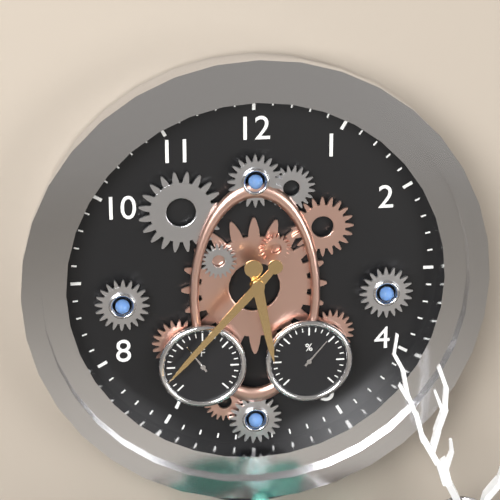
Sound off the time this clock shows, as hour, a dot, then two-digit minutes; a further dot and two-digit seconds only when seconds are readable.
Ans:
5.37
